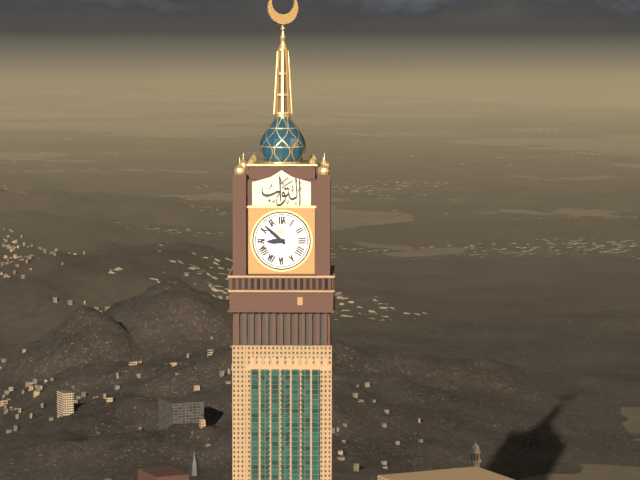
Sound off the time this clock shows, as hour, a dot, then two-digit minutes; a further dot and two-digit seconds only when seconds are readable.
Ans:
8.52
